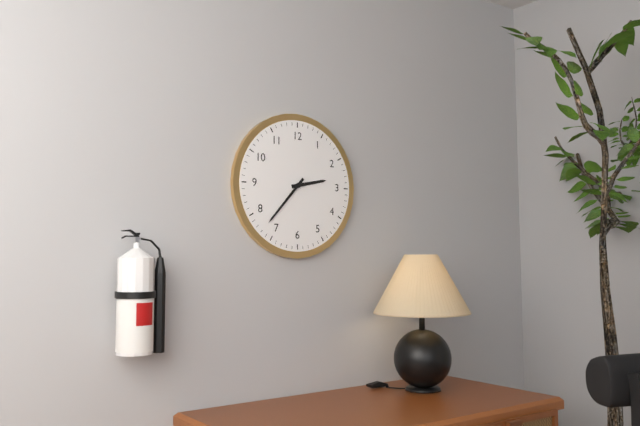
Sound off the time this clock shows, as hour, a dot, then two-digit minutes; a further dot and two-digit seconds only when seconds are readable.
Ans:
2.37
